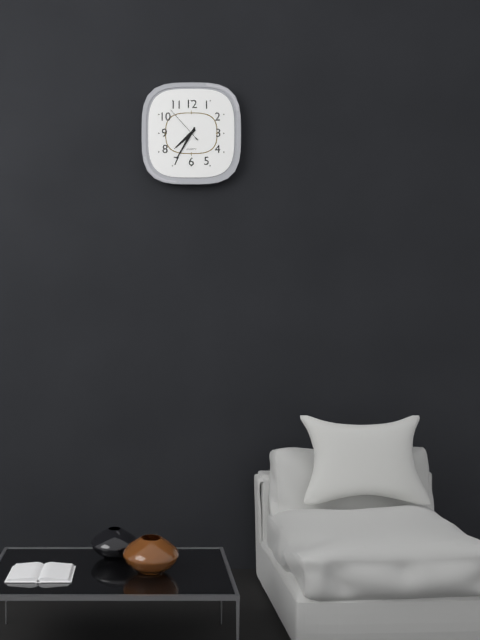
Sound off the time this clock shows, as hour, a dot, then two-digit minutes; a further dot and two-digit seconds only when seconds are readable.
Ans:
7.35
